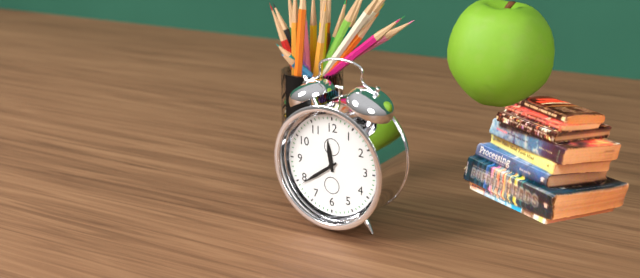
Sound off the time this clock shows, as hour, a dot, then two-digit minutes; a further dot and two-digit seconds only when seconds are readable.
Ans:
11.39
